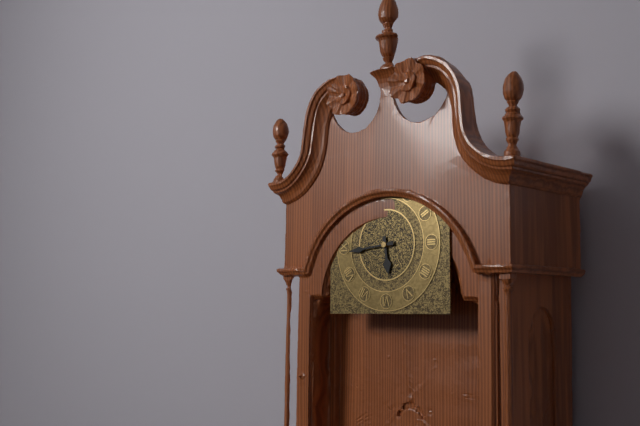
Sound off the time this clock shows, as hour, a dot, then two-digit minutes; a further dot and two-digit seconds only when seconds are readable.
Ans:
5.44
